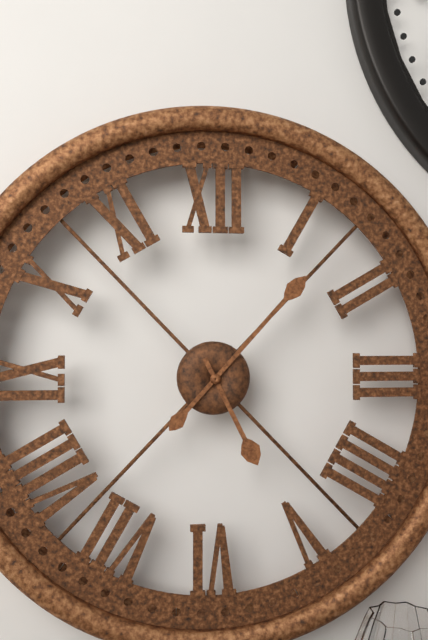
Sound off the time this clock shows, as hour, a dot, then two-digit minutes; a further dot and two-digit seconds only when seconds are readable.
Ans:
5.07
